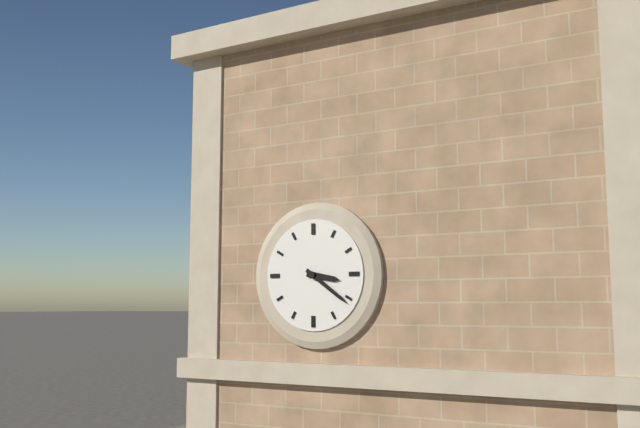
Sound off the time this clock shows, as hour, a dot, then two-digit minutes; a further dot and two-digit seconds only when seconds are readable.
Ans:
3.21
